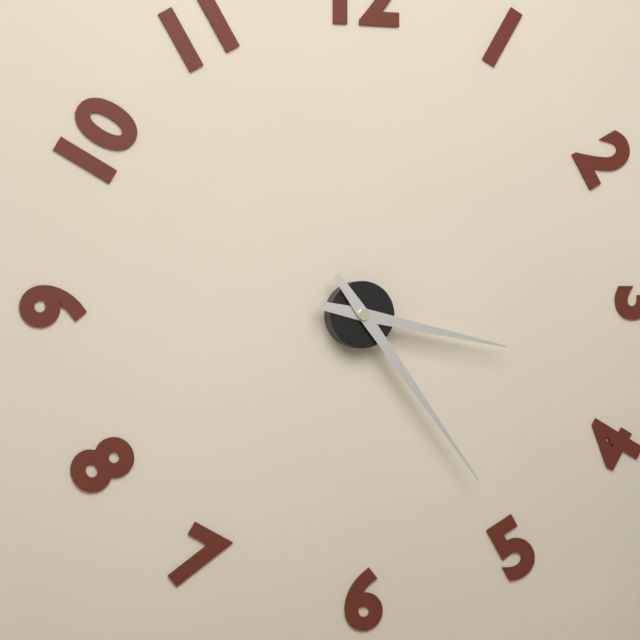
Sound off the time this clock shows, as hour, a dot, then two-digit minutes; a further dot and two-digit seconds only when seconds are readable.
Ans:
3.24
